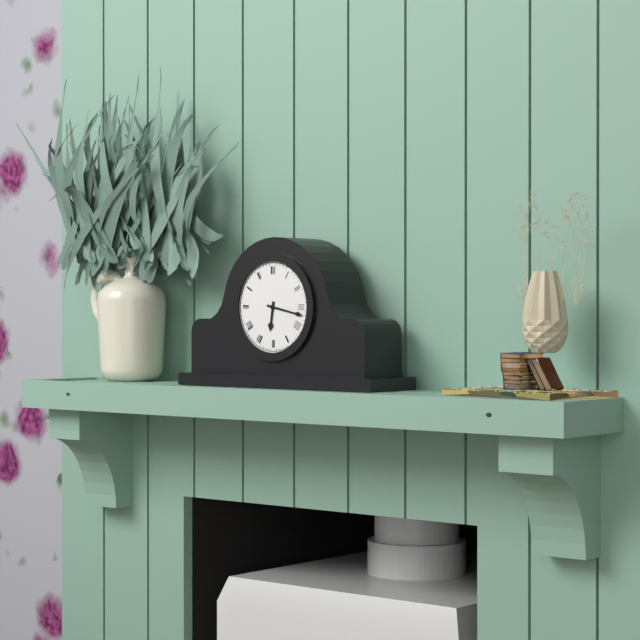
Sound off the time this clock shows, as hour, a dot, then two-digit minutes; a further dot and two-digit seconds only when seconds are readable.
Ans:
6.17
